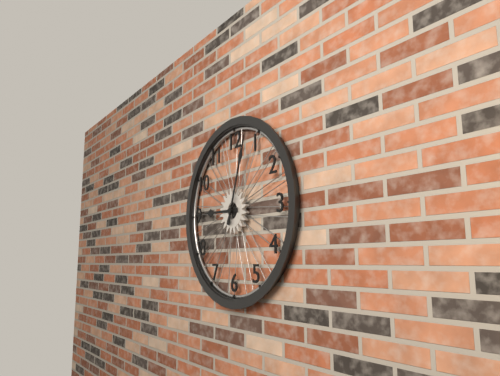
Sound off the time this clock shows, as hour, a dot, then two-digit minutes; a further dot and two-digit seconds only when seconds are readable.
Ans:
9.03
